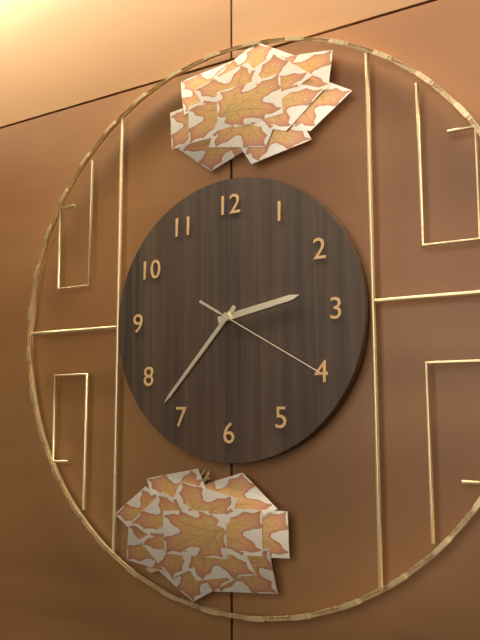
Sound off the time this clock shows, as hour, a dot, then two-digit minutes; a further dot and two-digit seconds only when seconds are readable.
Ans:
2.37.20
